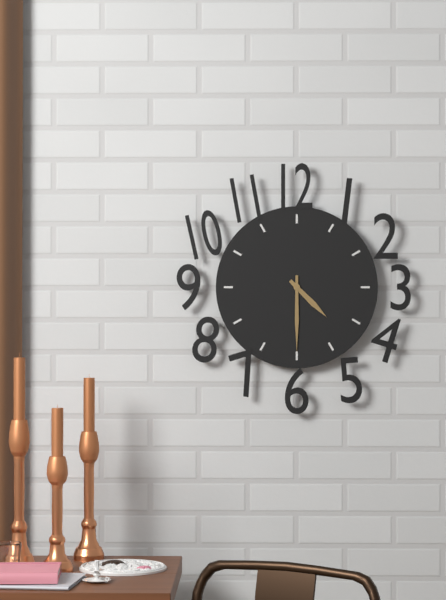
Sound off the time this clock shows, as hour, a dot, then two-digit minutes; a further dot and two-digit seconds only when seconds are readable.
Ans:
4.30
